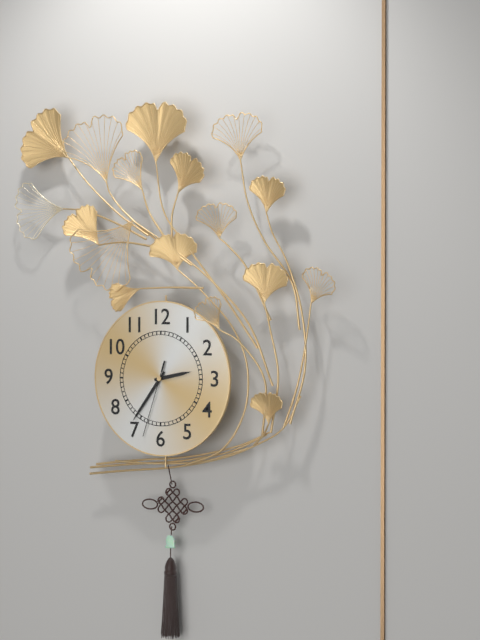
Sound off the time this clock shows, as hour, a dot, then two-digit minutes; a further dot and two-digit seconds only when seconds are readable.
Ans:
2.36.33
